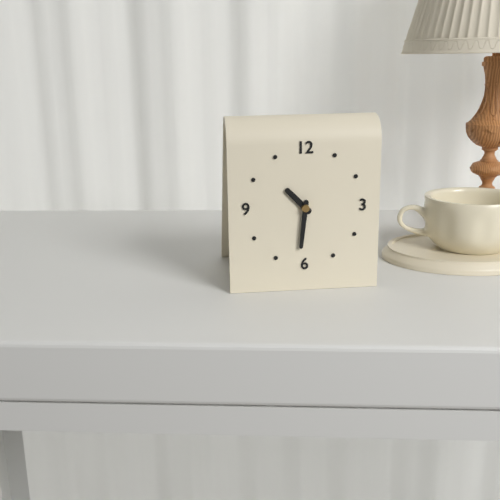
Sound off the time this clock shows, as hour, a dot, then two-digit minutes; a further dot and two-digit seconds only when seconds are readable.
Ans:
10.31
